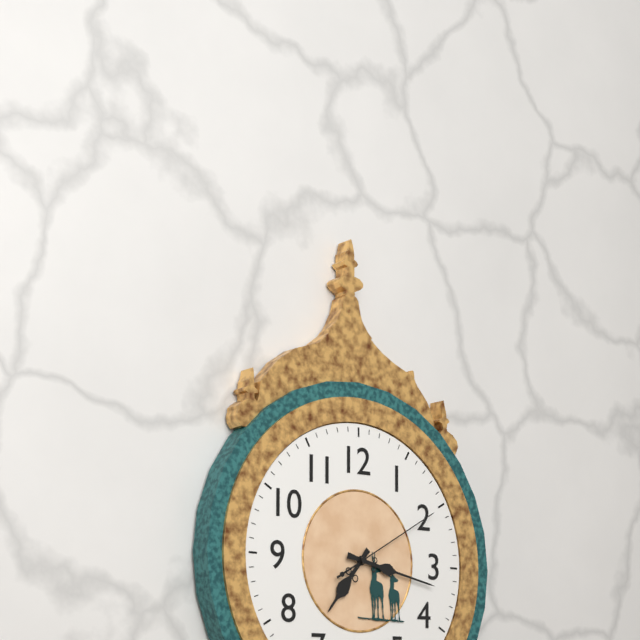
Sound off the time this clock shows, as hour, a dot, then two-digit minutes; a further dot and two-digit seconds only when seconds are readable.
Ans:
7.17.10
